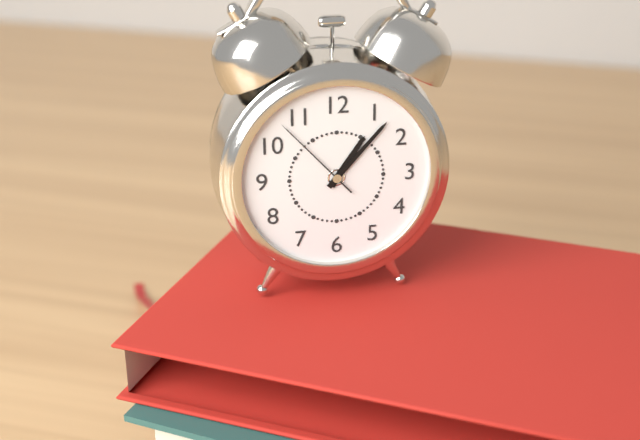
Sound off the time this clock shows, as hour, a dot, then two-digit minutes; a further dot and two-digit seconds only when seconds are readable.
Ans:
1.07.53
